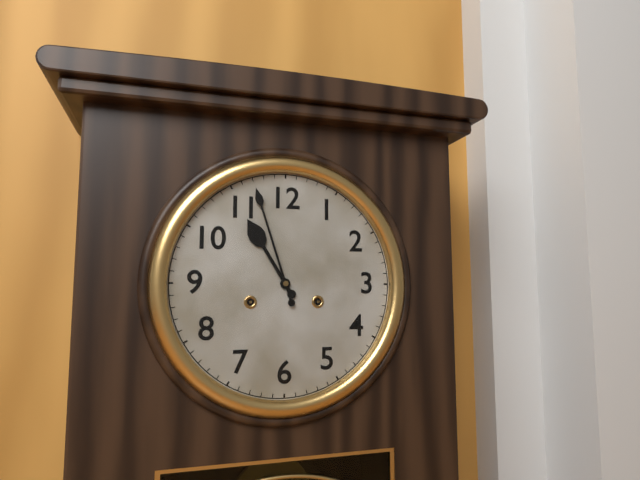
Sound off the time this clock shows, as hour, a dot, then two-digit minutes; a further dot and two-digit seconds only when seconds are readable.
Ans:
10.57
